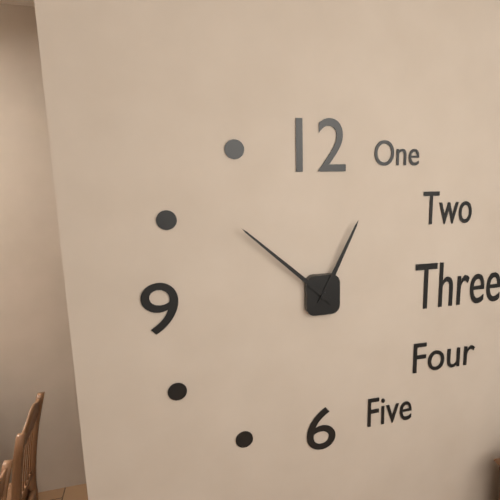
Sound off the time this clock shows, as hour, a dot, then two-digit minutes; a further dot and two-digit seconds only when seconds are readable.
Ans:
12.52
